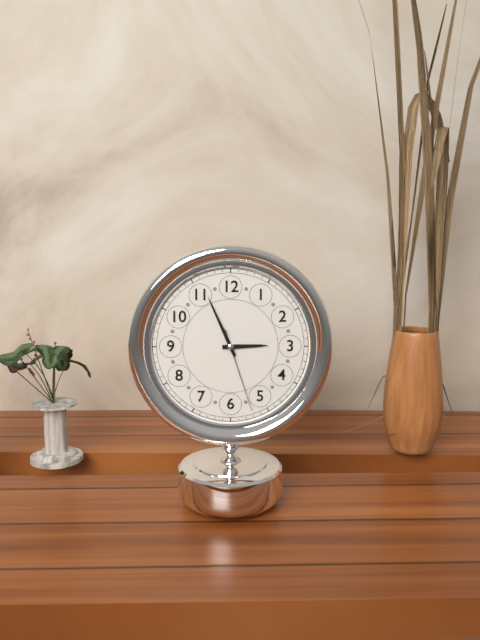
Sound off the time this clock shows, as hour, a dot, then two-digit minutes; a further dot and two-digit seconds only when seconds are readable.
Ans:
2.56.27
